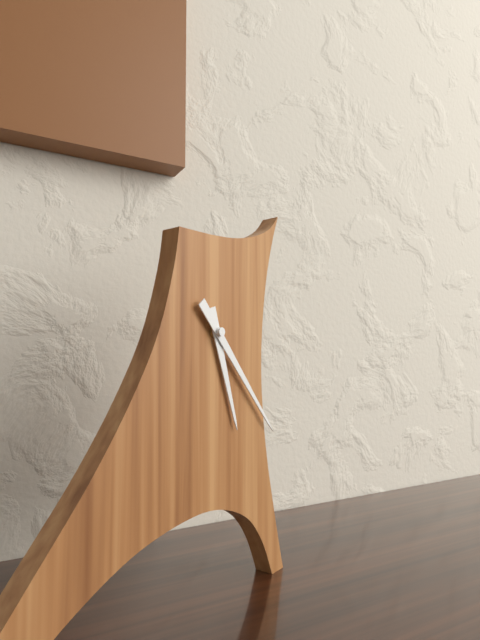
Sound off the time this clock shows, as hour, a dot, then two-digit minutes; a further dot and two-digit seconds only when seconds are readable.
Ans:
5.23
